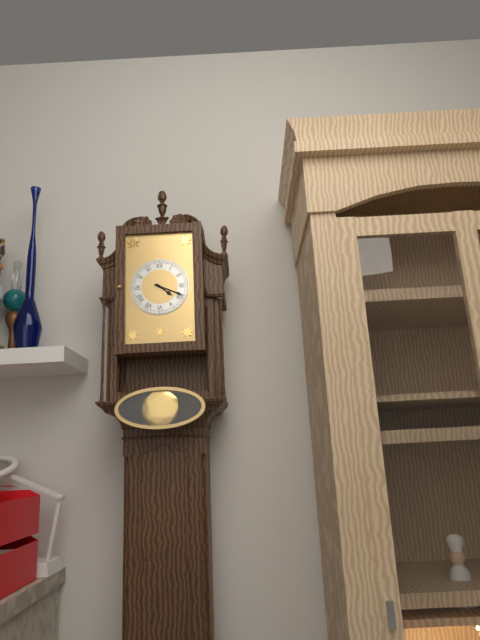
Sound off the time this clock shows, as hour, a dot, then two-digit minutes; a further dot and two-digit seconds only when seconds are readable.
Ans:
4.19
